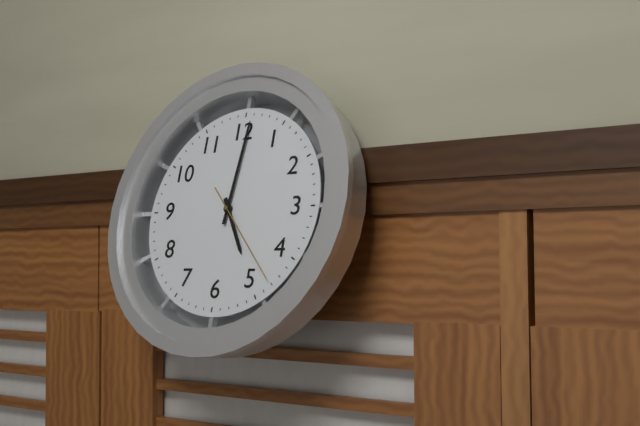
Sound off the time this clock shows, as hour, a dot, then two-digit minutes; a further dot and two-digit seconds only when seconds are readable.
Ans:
5.01.23
